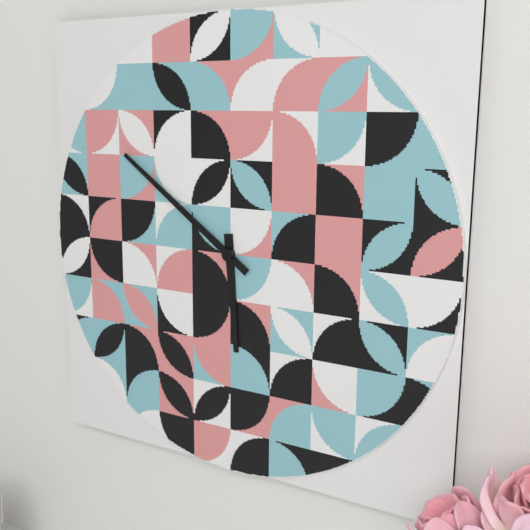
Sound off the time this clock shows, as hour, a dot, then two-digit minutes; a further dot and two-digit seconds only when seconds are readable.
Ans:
5.51
